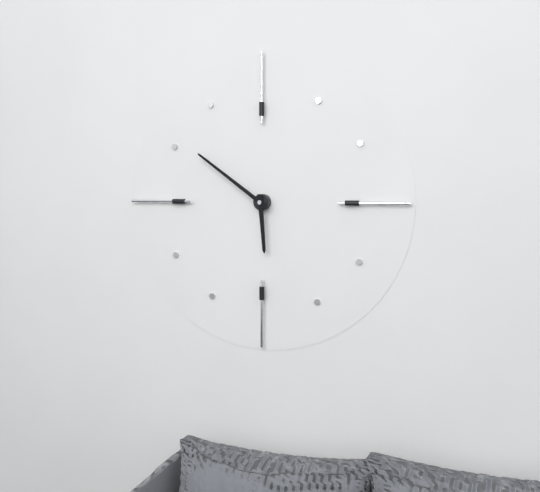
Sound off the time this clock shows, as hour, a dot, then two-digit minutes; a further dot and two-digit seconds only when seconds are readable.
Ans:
5.51
